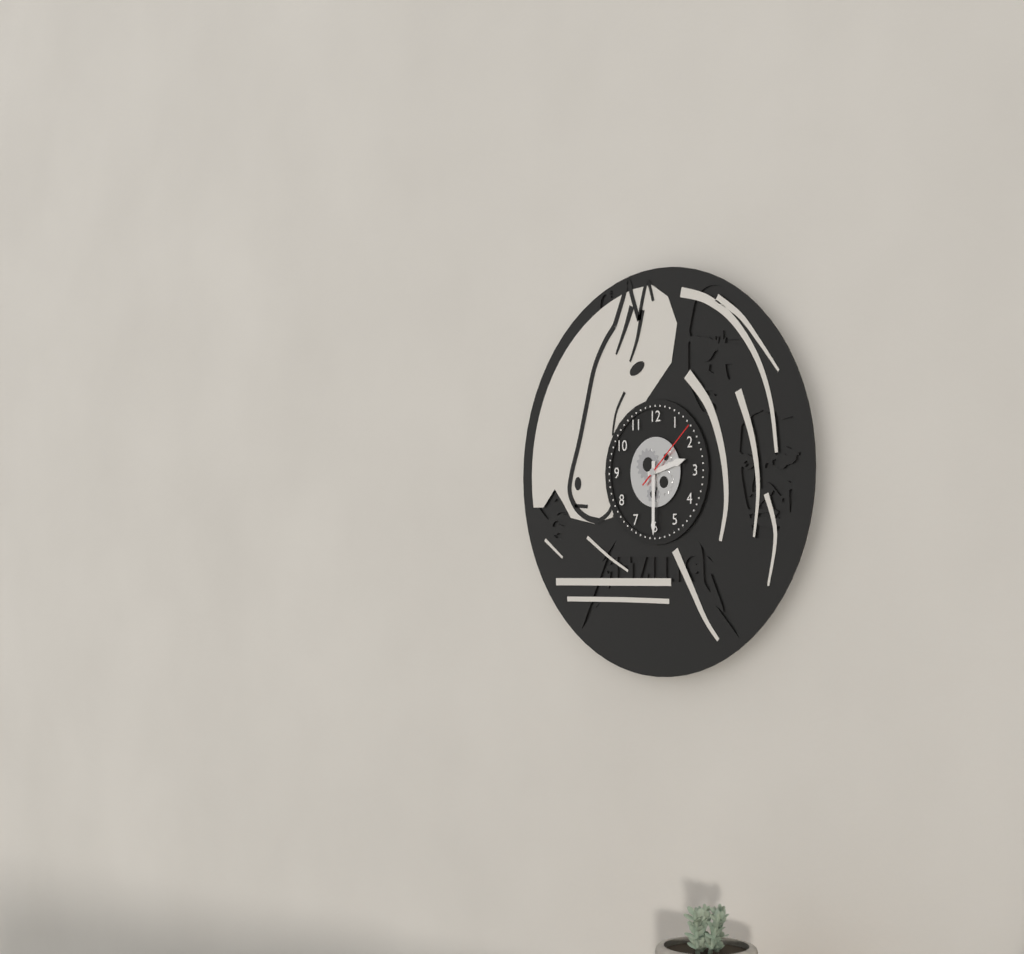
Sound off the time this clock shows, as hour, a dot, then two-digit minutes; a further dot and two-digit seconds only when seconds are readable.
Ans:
2.30.08
